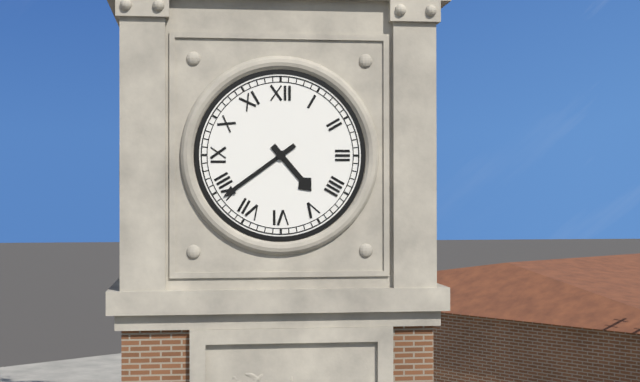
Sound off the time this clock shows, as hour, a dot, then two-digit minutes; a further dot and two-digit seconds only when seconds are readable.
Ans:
4.39
